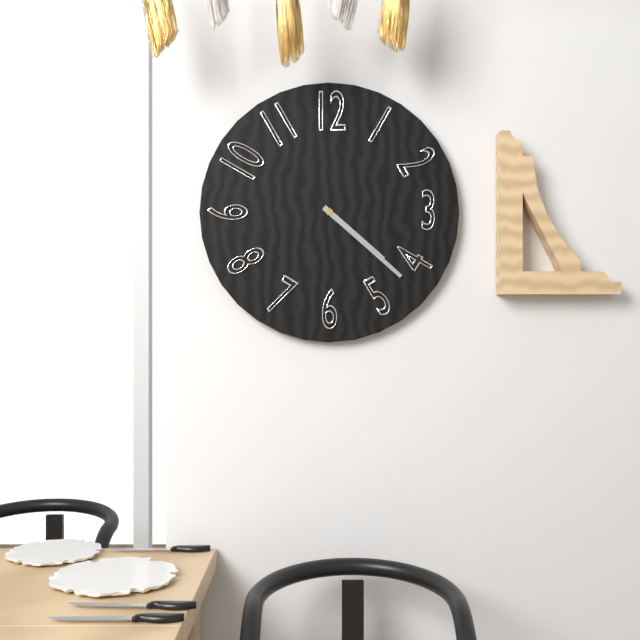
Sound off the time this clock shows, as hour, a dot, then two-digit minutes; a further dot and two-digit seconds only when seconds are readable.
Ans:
4.22
